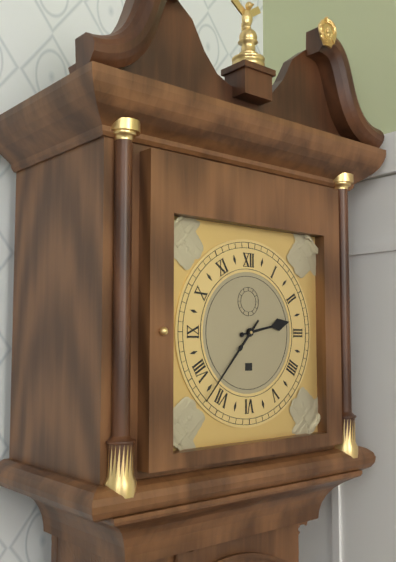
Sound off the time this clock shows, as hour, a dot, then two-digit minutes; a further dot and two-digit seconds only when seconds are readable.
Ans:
2.37
